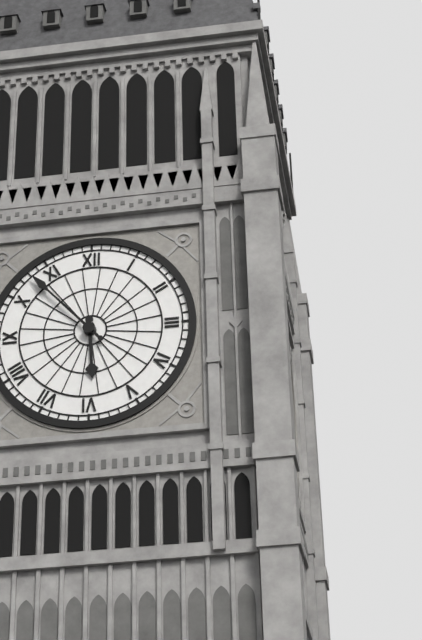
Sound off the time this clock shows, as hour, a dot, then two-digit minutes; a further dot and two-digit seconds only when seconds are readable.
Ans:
5.53
